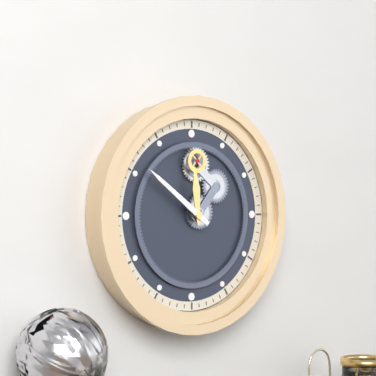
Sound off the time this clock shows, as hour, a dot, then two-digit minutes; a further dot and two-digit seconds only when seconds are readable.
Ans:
11.51
